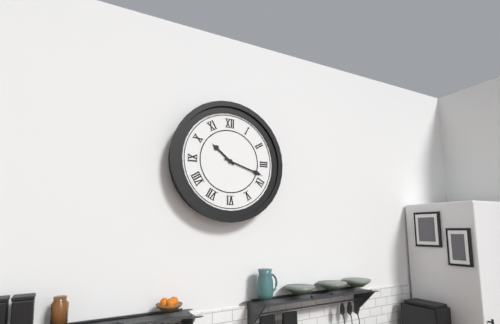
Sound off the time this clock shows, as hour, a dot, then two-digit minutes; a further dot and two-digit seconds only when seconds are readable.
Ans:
10.18
